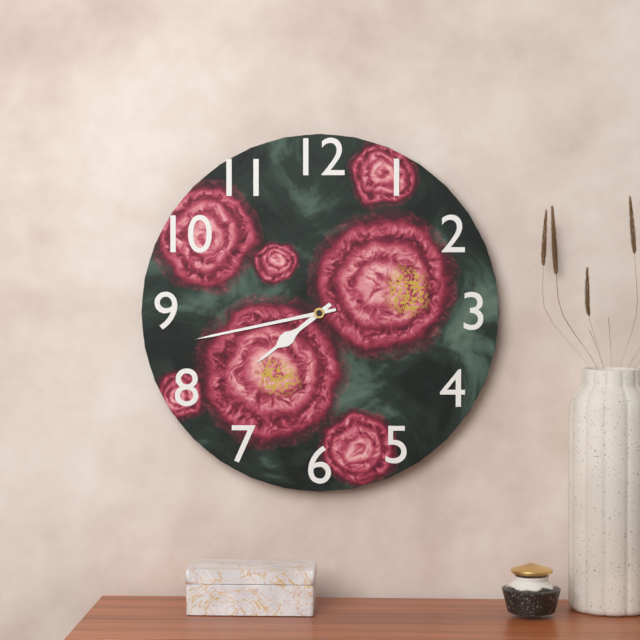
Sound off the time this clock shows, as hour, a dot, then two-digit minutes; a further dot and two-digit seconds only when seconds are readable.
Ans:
7.43
